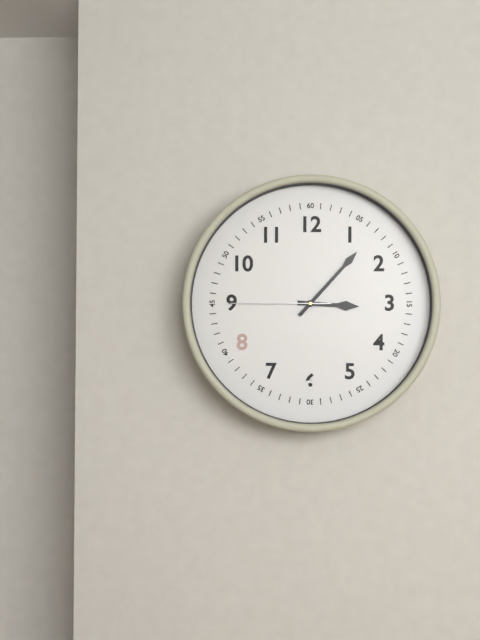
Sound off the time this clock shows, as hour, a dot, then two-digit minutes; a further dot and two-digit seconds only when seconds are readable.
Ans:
3.07.45
